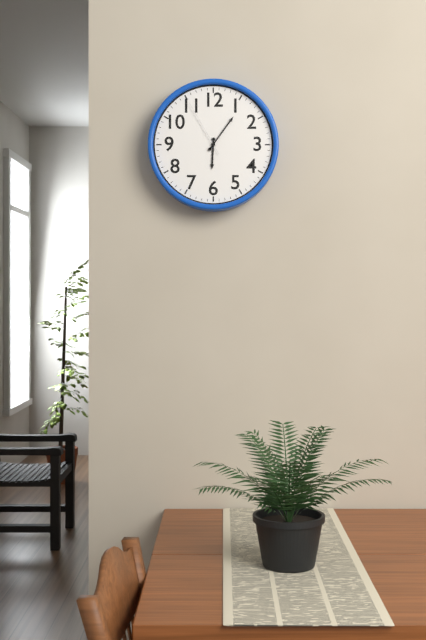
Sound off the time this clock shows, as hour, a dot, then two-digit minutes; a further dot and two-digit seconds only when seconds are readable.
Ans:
6.06.55
